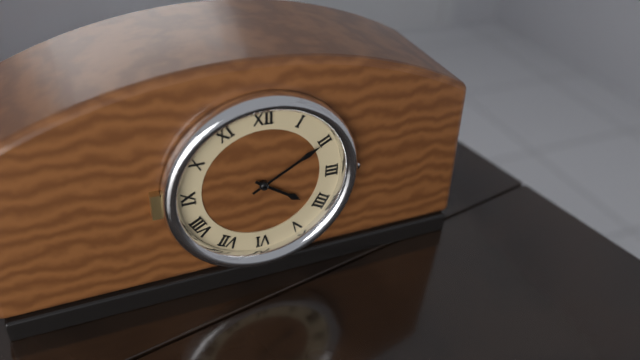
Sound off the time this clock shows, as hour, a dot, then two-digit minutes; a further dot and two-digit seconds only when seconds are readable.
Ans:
4.10
